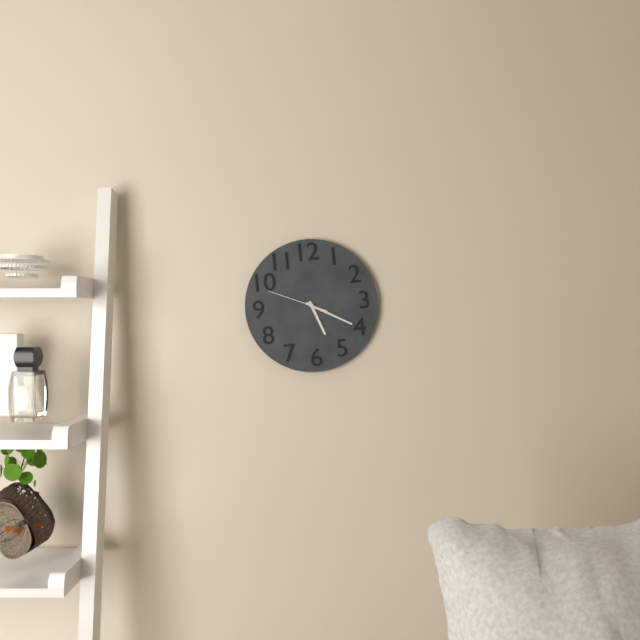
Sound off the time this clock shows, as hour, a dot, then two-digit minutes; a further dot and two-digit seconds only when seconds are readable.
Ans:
5.20.49
